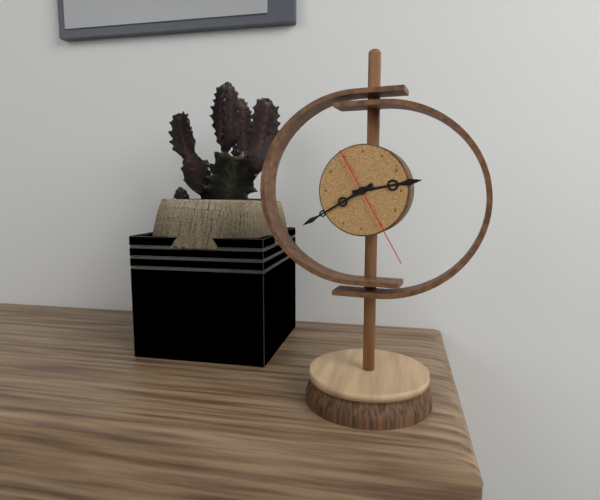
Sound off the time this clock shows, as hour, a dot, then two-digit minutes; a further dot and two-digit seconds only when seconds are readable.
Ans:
2.40.25
